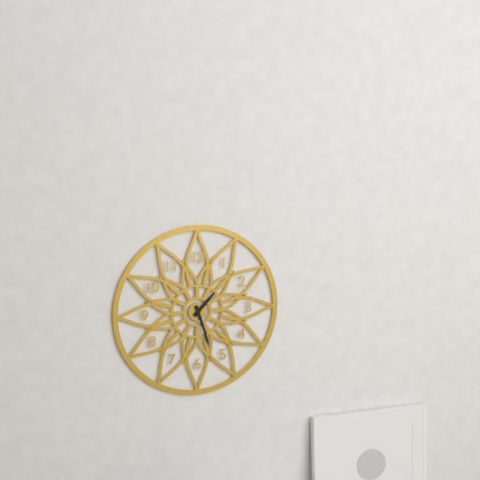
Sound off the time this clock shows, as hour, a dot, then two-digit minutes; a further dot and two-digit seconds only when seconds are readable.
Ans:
1.27
